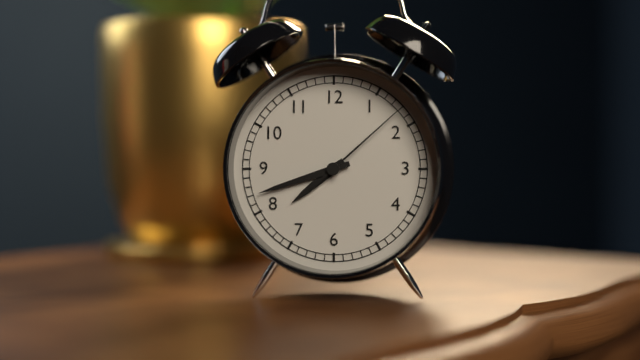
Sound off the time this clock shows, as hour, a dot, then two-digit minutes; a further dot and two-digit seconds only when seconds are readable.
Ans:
7.42.08
